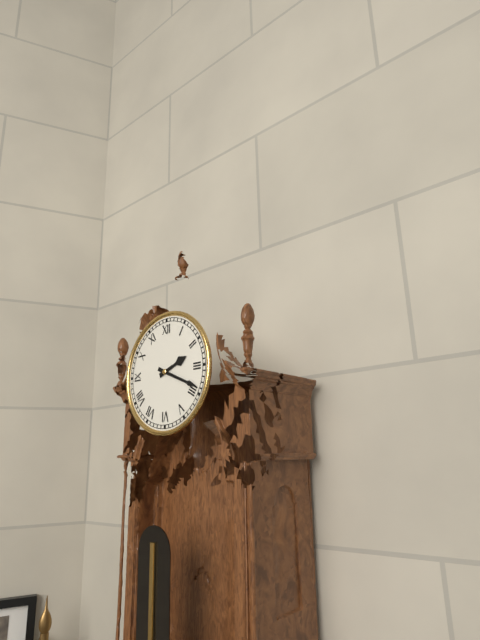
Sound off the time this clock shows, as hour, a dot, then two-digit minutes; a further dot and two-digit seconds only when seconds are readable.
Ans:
2.19
